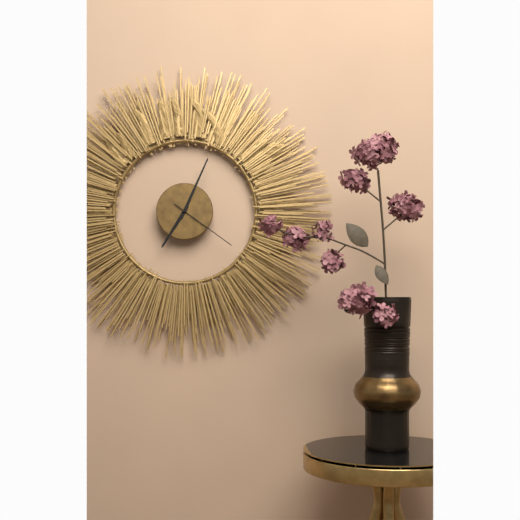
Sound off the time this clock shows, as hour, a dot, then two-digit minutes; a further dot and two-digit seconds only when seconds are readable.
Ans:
7.04.21
